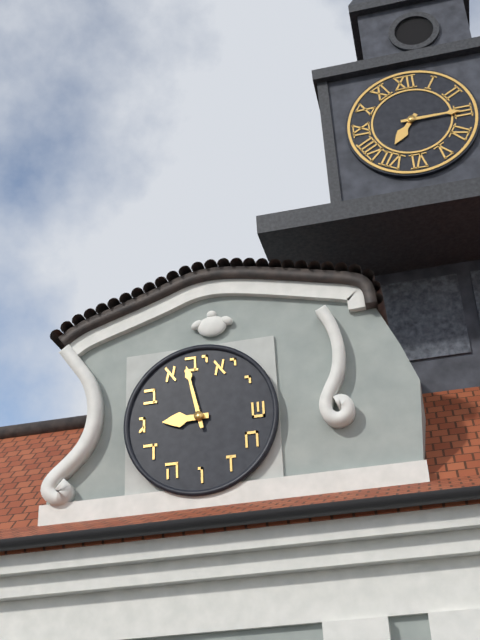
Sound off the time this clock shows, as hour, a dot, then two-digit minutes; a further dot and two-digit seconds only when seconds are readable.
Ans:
8.58
